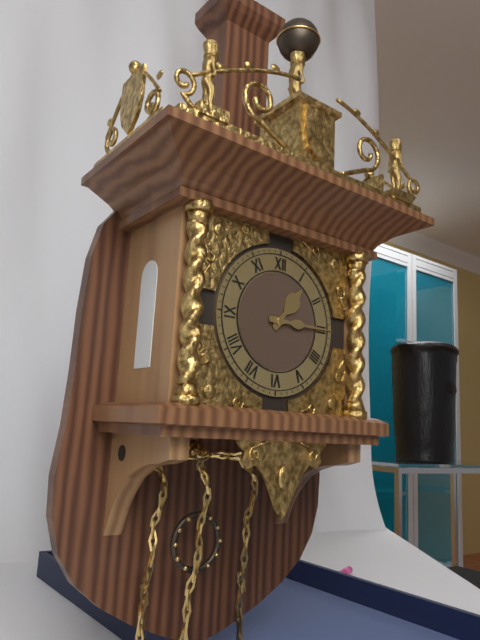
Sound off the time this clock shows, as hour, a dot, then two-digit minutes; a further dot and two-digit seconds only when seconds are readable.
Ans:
1.15
